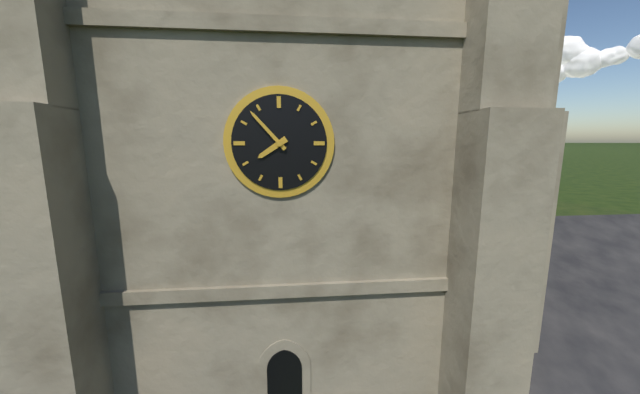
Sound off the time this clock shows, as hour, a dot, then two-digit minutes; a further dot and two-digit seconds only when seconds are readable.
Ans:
7.53
